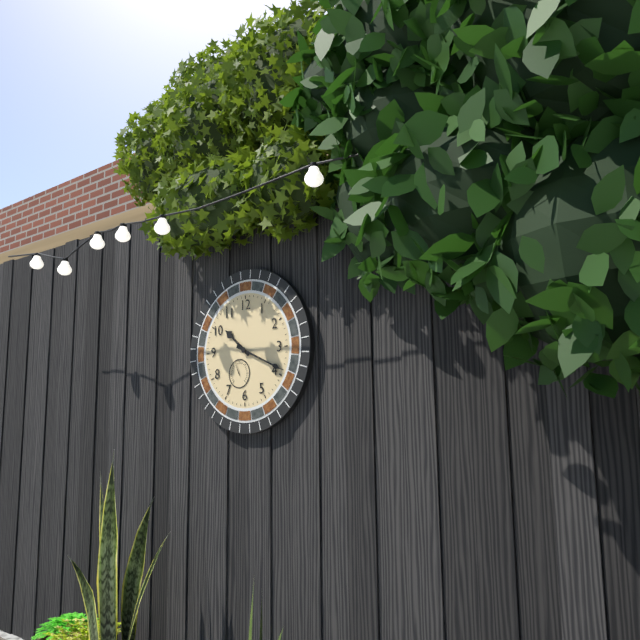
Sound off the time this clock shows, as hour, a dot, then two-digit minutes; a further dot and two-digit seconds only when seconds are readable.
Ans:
10.19
